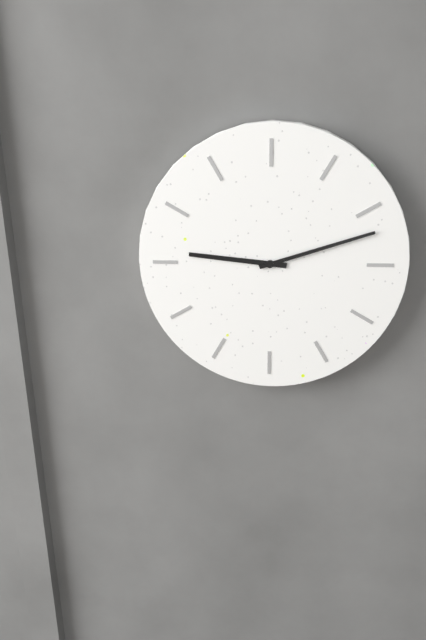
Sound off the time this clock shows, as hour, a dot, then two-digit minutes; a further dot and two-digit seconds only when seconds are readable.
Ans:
9.12
